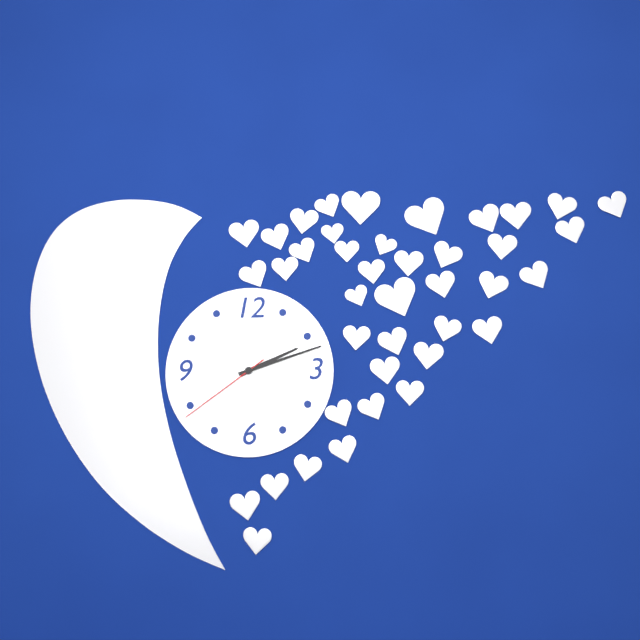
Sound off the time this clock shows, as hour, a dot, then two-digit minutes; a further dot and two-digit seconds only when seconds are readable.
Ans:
2.12.39
